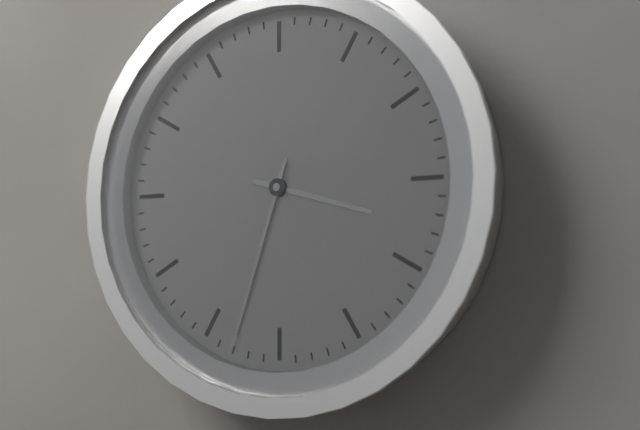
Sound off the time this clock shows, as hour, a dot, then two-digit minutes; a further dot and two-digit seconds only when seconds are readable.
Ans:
3.33
